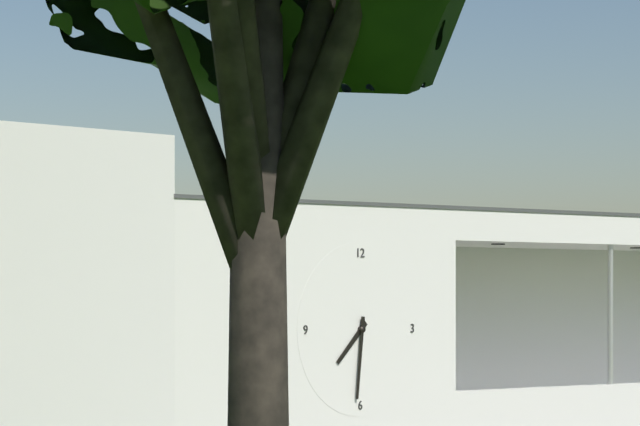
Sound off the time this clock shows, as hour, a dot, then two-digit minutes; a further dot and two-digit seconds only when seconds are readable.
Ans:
7.31
